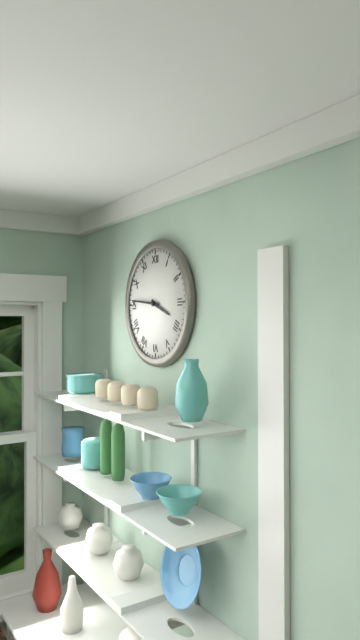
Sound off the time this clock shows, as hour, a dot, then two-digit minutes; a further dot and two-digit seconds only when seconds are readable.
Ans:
3.46
